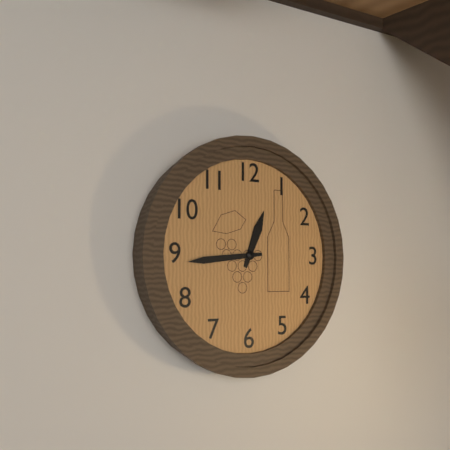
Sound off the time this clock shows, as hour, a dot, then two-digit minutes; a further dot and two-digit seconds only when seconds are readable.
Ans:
12.44
